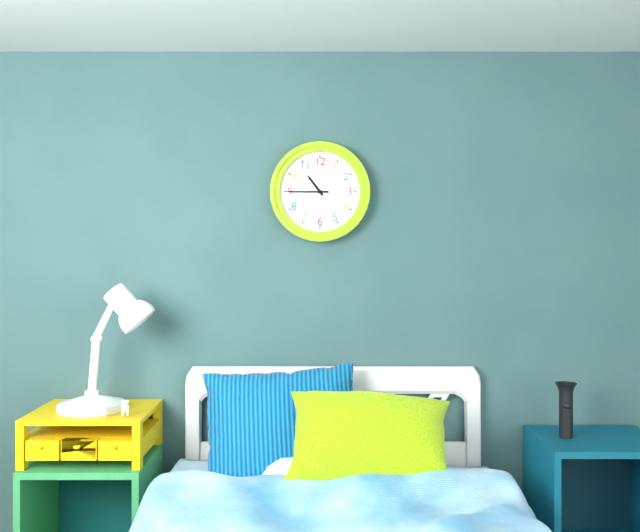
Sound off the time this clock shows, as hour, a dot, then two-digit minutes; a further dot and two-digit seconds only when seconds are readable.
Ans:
10.45
